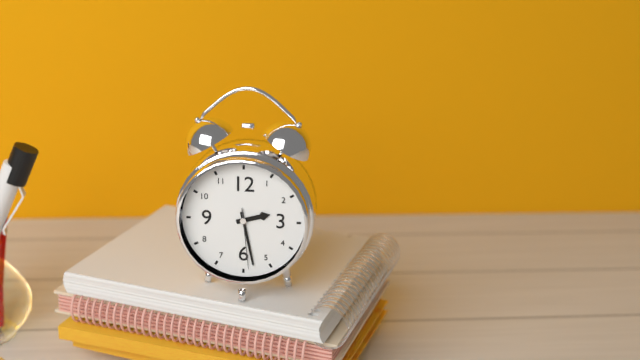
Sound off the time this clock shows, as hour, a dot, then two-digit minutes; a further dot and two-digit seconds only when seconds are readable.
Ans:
2.28.29
